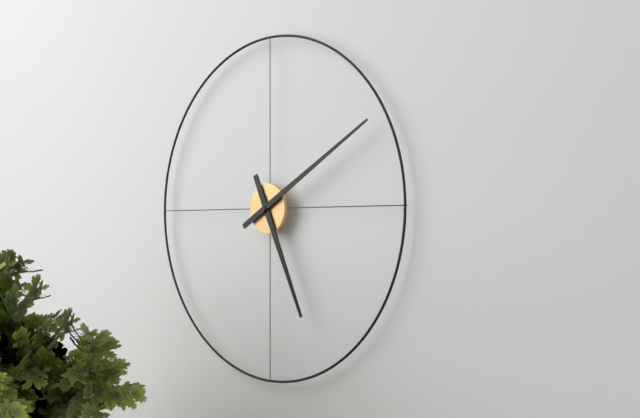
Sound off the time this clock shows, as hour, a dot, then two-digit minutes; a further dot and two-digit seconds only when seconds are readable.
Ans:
5.10
